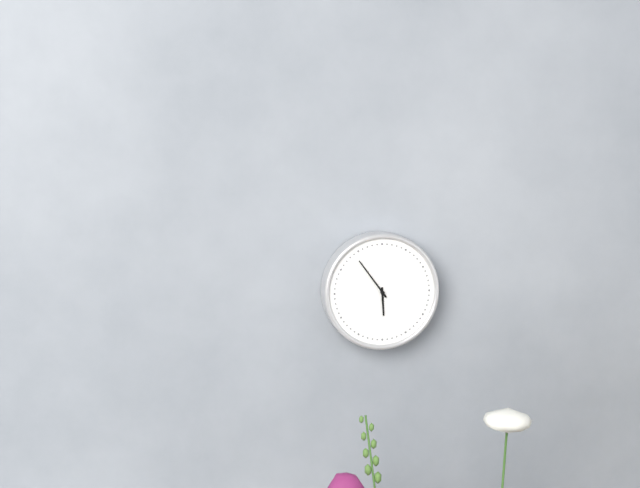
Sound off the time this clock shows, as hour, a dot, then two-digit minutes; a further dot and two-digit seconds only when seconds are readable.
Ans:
5.54
